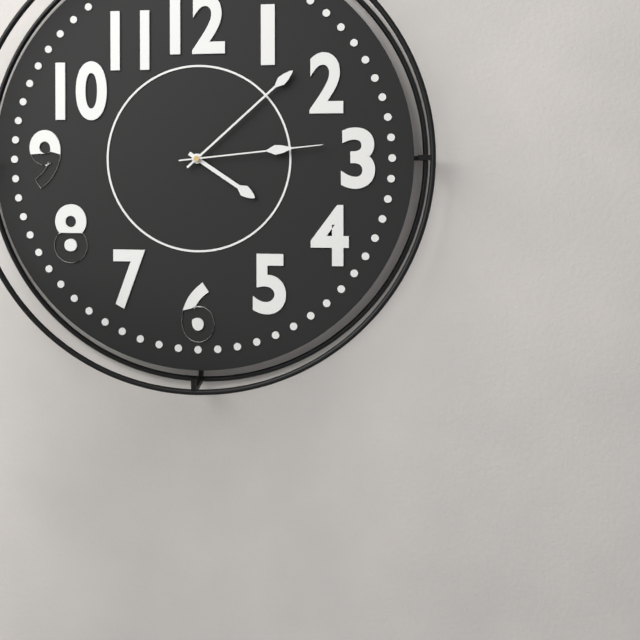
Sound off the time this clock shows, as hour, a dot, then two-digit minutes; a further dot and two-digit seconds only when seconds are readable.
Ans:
4.08.14
